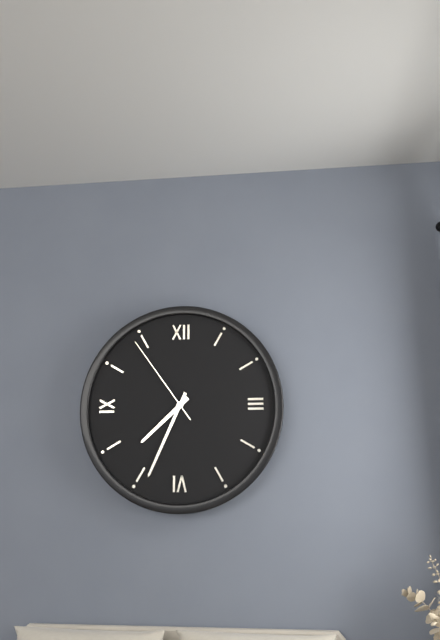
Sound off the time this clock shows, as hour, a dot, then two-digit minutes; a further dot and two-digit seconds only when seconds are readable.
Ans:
7.34.54
